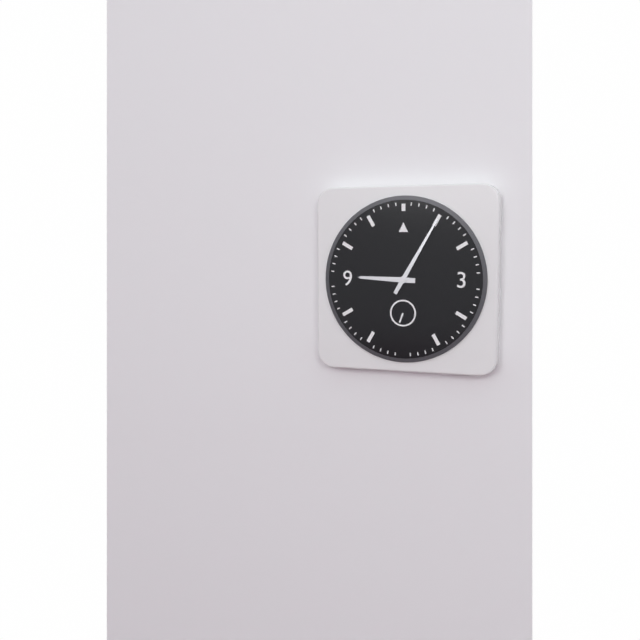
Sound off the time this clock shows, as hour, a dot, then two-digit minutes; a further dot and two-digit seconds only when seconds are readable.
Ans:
9.05
